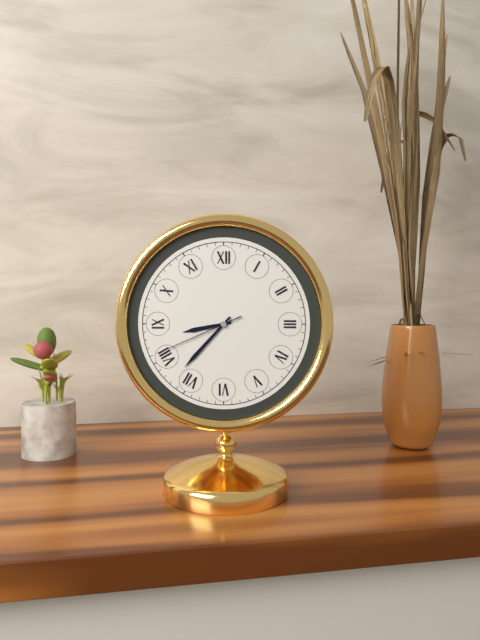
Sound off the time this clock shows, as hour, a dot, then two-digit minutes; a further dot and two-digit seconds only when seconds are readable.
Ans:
8.37.41
